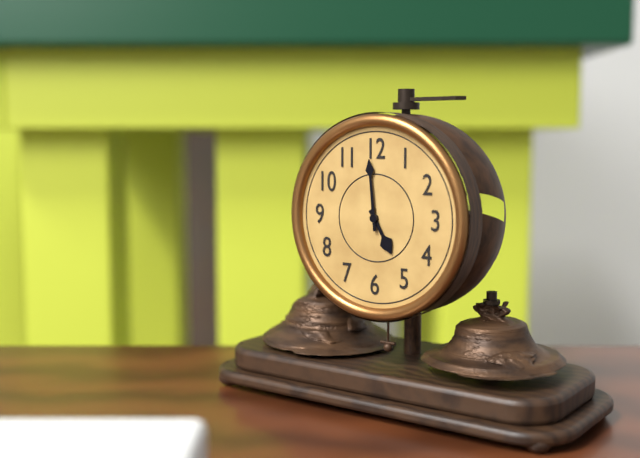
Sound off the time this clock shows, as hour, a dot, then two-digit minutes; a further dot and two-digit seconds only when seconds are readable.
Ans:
4.59
